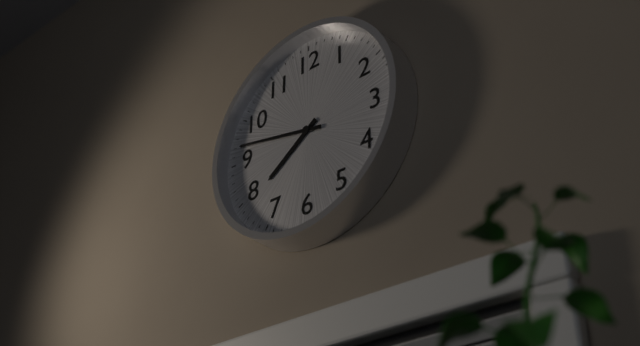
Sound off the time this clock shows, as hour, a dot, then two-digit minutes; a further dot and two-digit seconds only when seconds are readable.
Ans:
7.47
